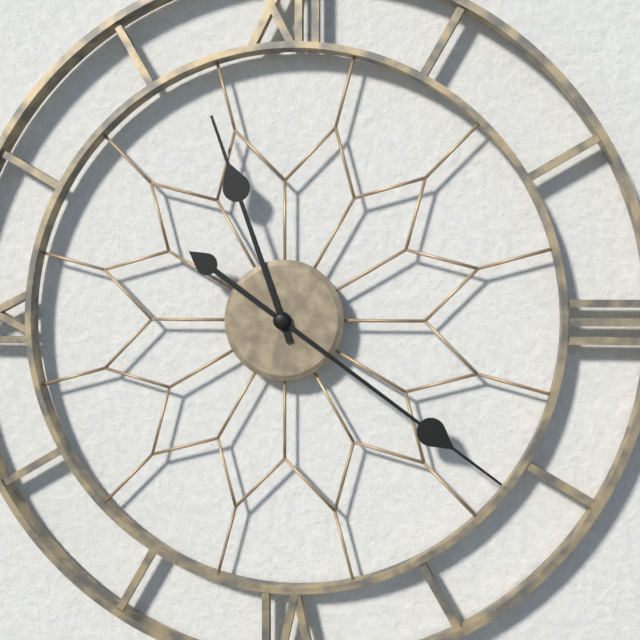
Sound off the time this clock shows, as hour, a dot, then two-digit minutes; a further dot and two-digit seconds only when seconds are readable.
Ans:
11.21
